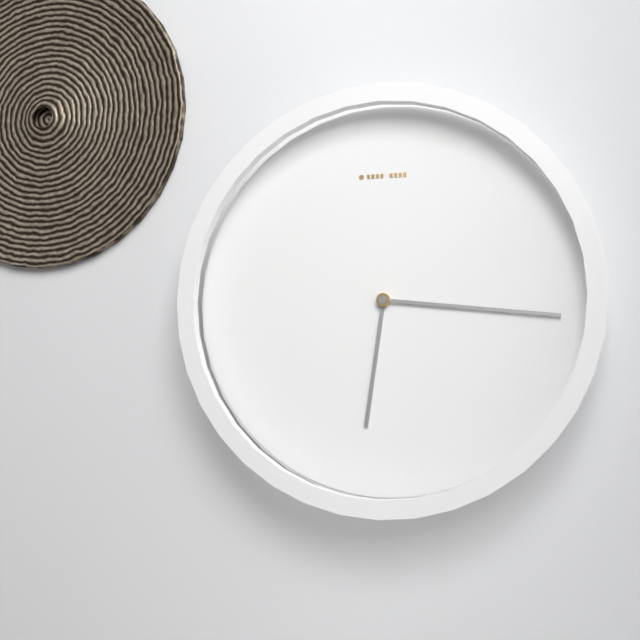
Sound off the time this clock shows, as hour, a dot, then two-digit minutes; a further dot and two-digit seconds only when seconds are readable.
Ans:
6.16
